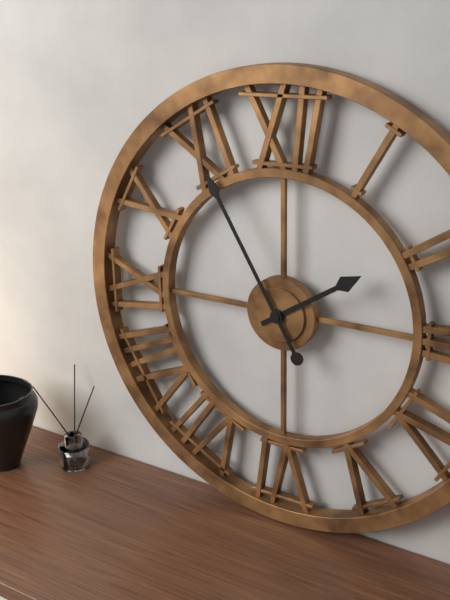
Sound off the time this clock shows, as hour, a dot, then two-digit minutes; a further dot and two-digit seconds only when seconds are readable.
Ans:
1.55
